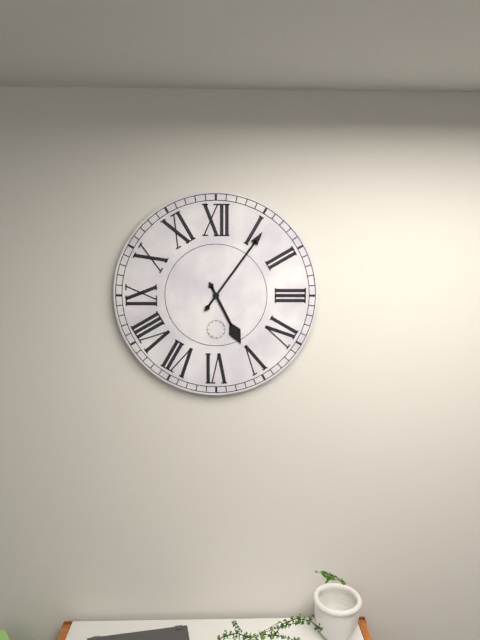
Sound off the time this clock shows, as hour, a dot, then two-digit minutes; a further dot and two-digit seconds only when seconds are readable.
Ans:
5.06
